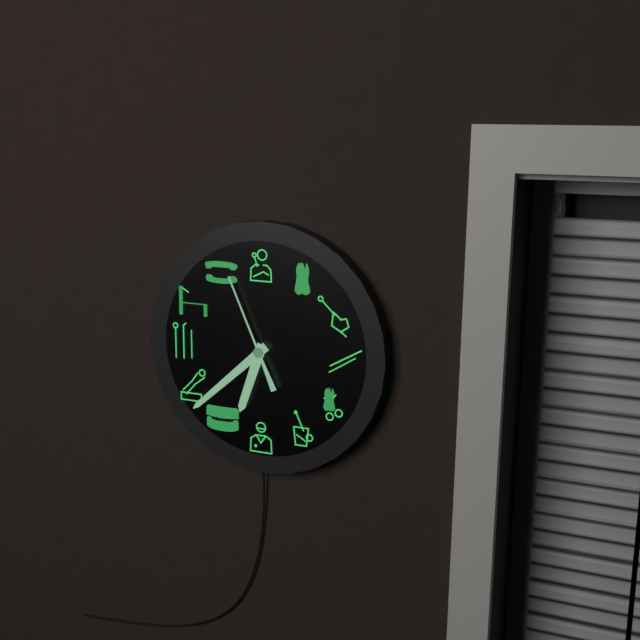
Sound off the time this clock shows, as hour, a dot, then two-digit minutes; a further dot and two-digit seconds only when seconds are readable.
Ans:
6.38.56
